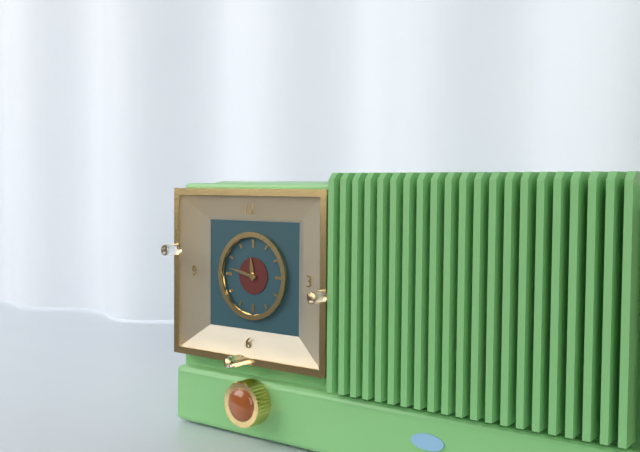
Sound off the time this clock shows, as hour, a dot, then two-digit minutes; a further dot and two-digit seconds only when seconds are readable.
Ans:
11.47
